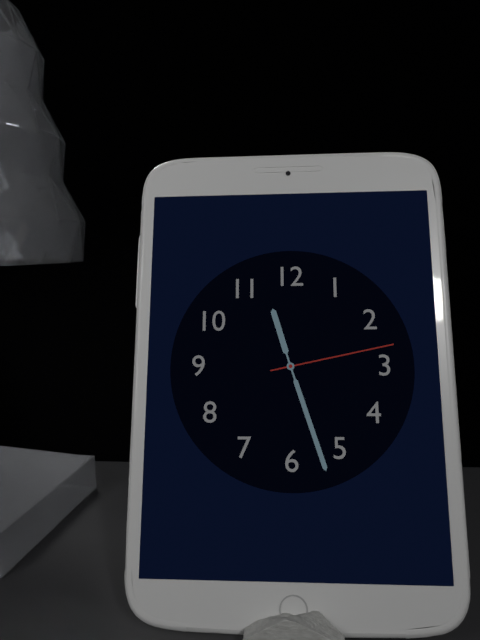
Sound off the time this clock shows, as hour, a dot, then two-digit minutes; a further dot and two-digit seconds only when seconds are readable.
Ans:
11.27.13
